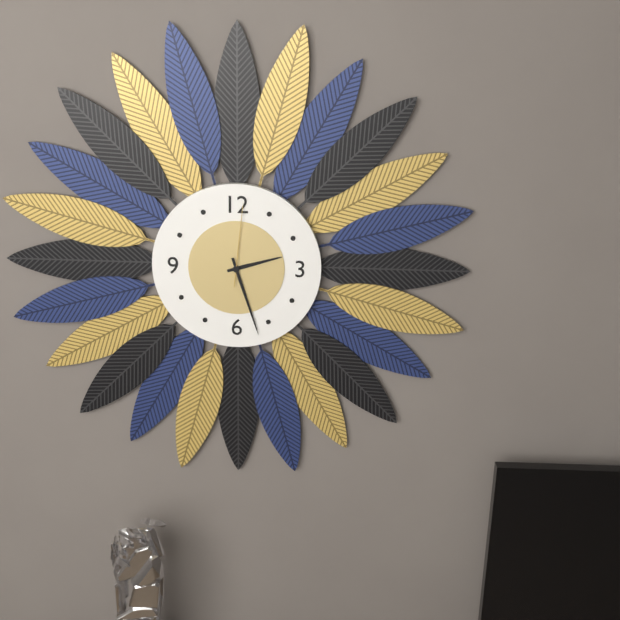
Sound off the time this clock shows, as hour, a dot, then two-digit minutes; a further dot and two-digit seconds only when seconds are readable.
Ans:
2.27.01
